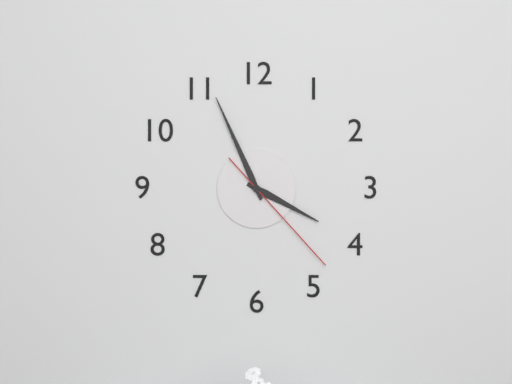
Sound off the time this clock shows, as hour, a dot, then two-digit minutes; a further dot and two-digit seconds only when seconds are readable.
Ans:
3.56.23
